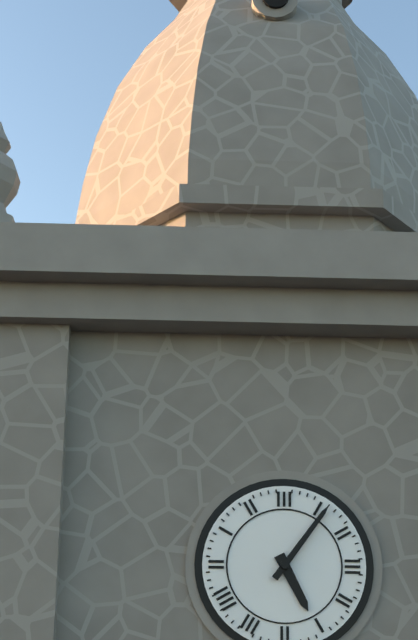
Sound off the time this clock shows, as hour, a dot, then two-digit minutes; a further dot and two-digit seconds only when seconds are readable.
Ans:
5.06
